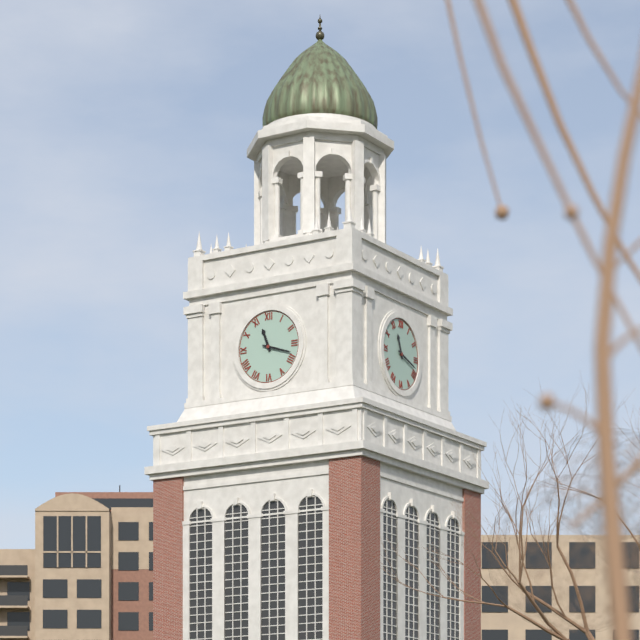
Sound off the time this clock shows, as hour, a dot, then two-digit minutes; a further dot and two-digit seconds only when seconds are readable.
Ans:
11.18
